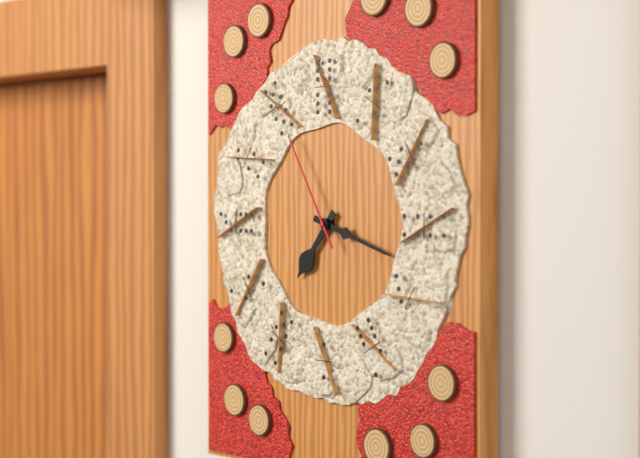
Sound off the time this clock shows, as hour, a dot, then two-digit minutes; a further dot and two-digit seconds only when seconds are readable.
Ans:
7.18.55
